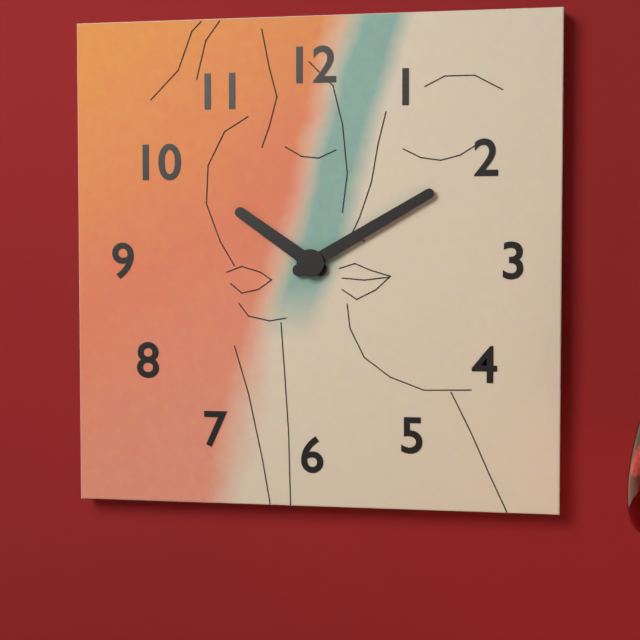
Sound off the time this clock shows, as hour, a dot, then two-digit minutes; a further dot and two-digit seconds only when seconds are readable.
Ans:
10.10
